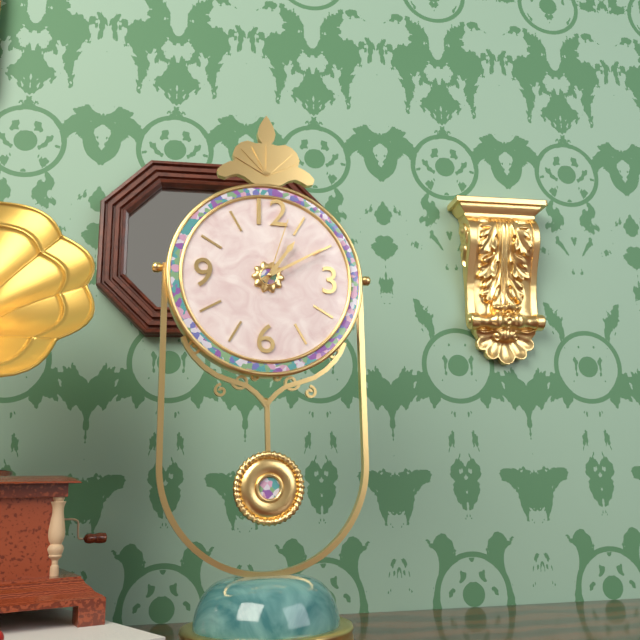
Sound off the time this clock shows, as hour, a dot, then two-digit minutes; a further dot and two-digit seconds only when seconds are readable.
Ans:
1.10.03
